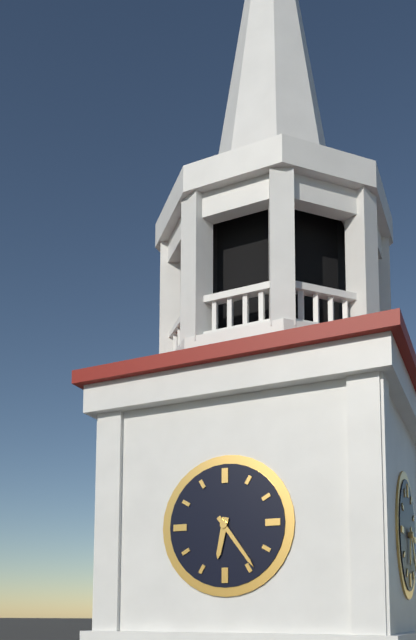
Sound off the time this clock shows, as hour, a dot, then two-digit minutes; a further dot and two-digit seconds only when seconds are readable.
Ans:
6.24
